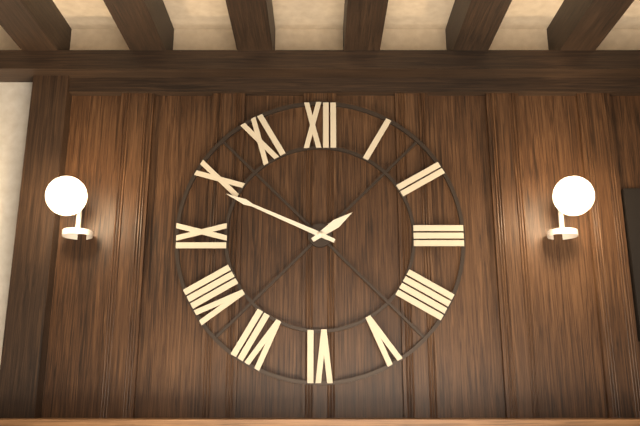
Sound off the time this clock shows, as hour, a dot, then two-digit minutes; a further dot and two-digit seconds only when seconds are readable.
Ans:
1.49
